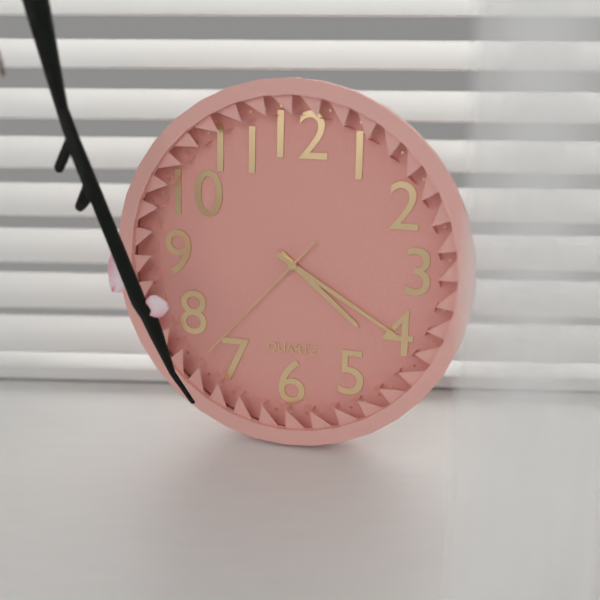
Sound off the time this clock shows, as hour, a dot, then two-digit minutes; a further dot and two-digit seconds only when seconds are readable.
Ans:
4.20.37
